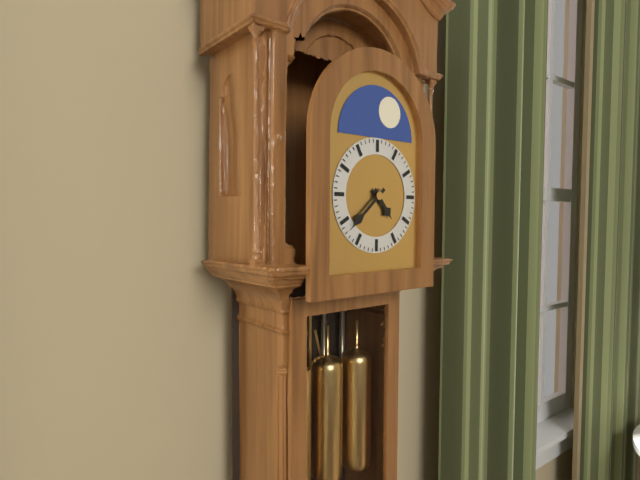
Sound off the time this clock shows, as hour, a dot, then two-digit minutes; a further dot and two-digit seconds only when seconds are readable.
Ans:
4.38
